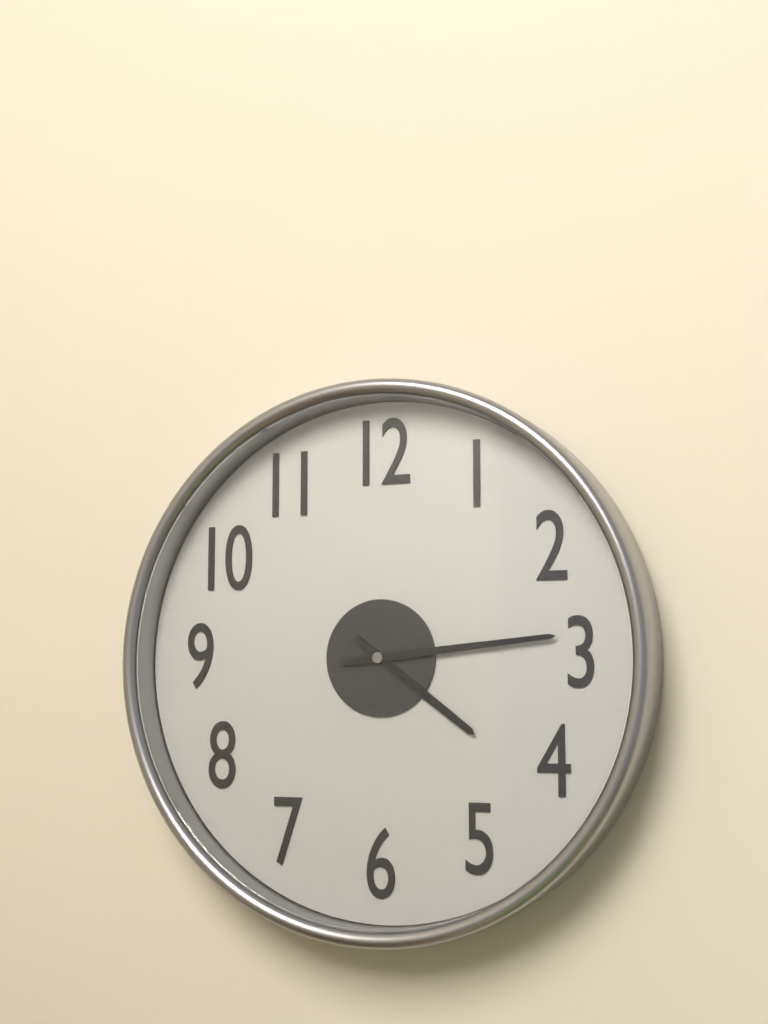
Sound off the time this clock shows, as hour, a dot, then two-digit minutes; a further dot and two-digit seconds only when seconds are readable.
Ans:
4.14
